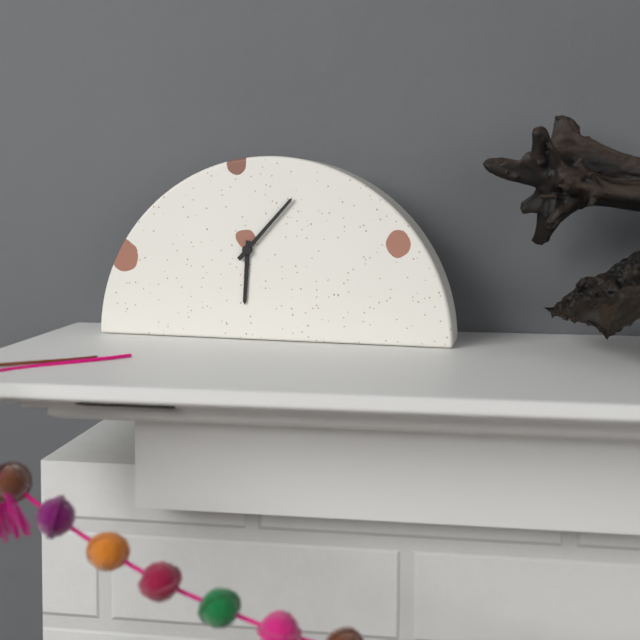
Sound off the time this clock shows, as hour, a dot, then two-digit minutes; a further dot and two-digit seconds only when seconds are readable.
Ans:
6.07
